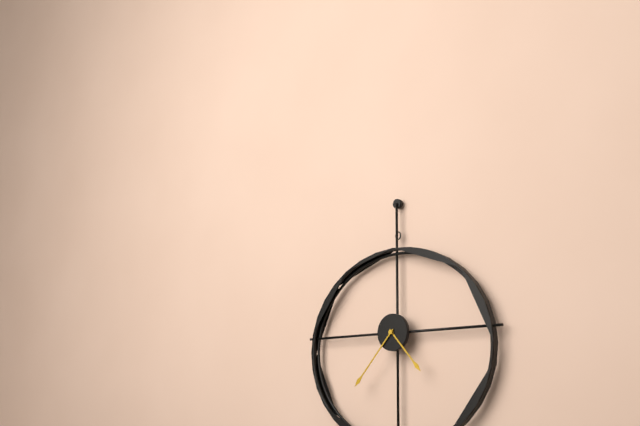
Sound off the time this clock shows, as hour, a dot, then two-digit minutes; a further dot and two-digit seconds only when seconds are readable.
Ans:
4.37
